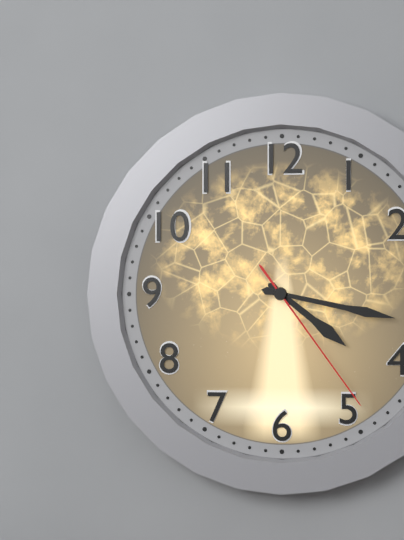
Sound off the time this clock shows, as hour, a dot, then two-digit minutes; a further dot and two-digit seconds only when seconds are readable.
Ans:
4.17.24
